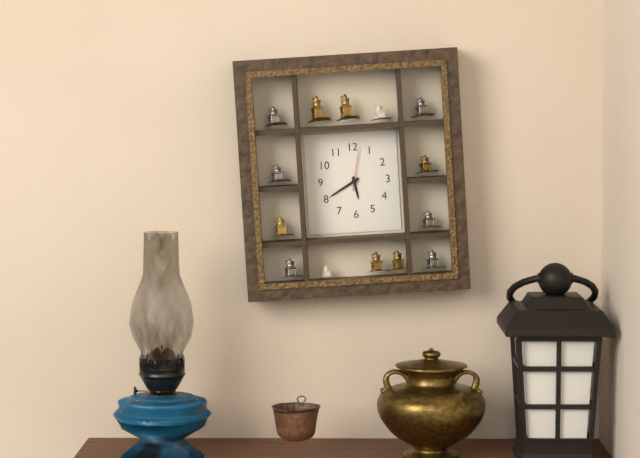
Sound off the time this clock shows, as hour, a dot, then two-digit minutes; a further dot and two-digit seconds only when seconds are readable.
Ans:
5.40
